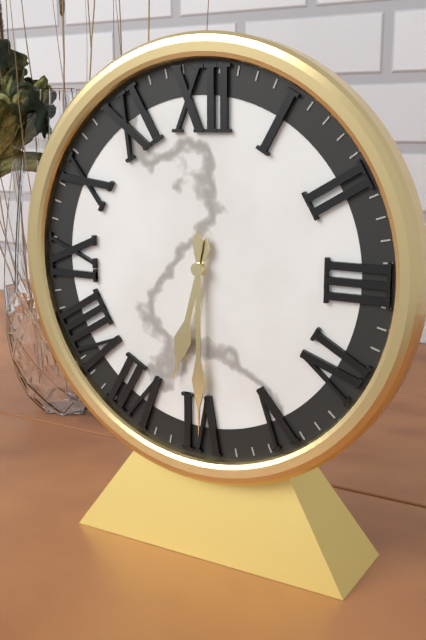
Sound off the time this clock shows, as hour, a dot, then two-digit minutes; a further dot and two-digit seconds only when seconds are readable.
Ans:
6.30
